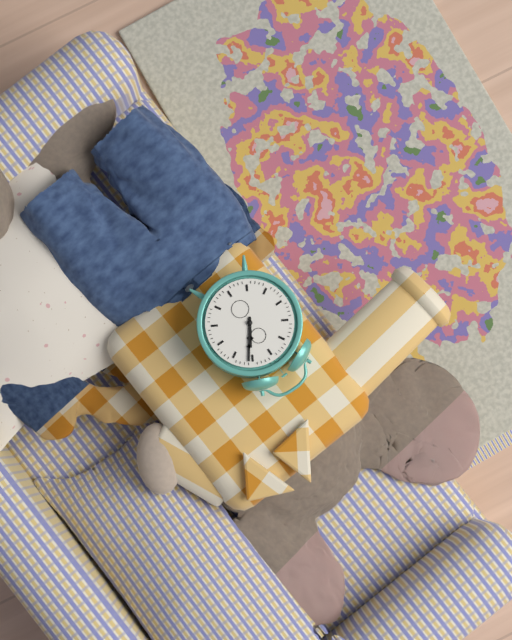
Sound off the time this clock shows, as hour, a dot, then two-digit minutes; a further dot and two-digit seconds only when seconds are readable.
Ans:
1.06
